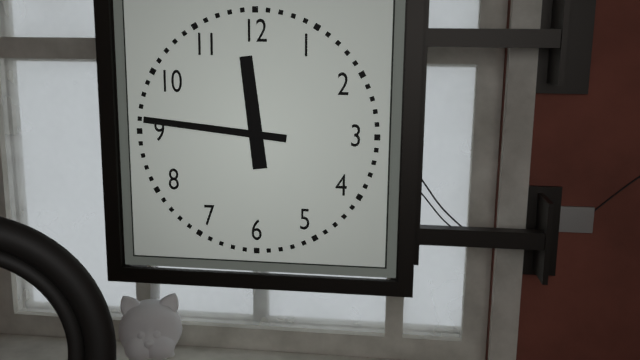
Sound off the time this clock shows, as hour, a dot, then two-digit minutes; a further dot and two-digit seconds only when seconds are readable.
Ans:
11.46
